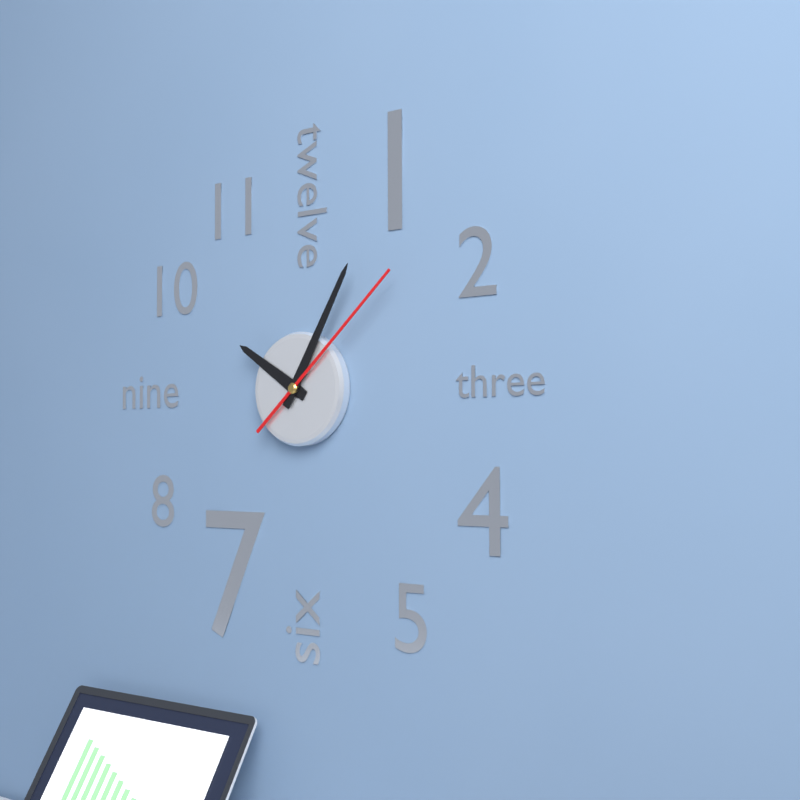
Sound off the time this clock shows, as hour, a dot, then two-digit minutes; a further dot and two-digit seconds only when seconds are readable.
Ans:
10.05.08
